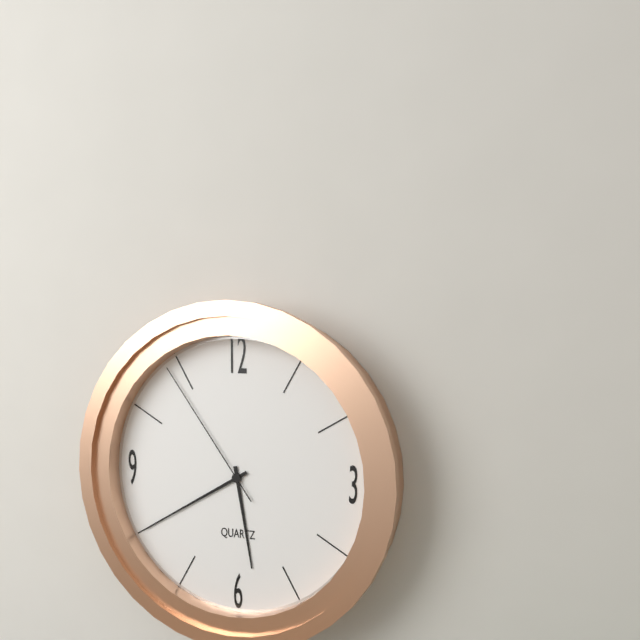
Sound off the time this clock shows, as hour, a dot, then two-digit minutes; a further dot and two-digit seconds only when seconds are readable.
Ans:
5.40.54
